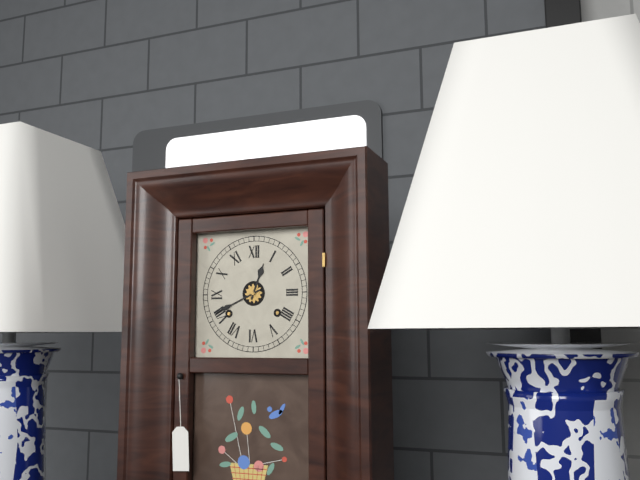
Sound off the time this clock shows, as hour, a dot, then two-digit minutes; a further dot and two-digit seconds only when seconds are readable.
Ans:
12.41
